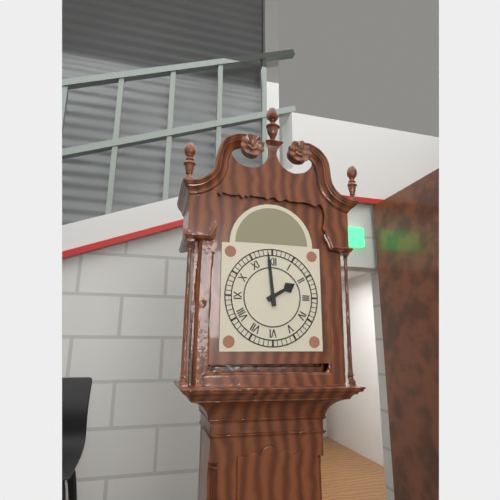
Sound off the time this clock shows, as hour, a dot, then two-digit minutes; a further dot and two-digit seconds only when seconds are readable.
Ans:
1.59
